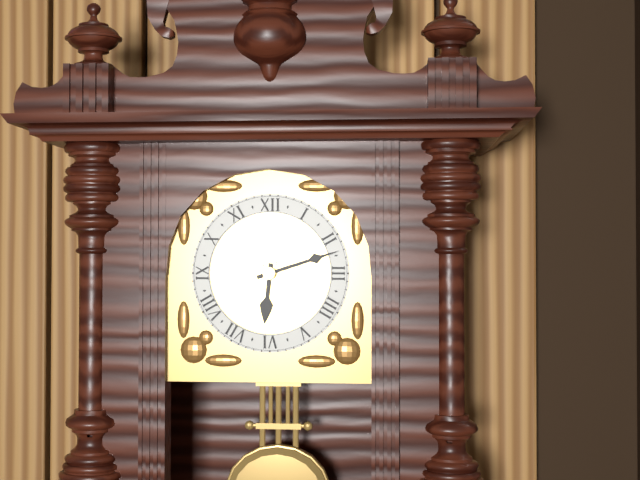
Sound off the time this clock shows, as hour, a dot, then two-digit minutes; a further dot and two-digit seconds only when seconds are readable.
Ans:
6.12
